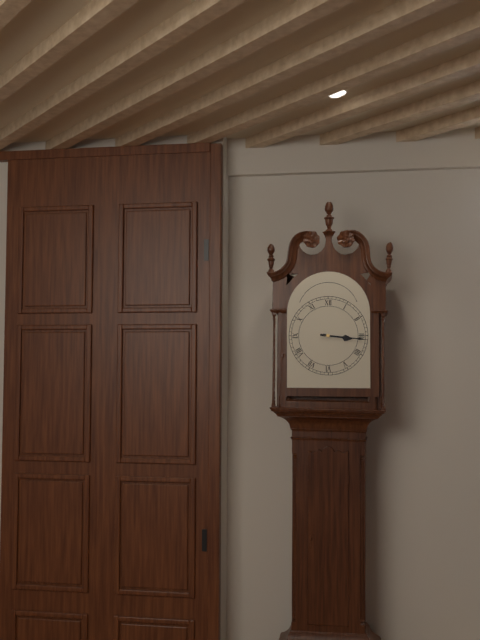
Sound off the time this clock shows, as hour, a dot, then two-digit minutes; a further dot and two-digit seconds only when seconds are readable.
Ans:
3.16
